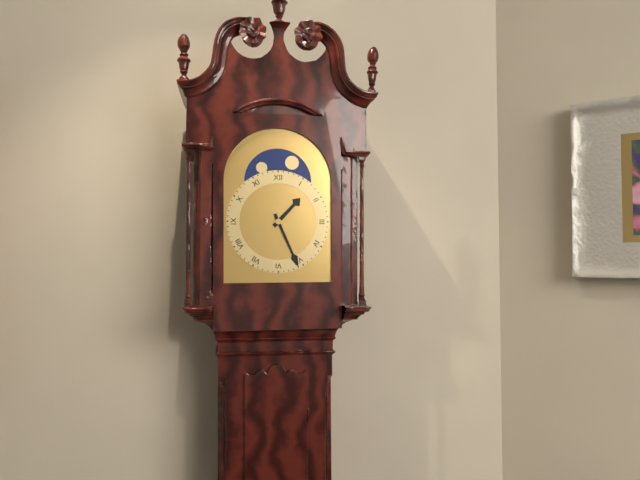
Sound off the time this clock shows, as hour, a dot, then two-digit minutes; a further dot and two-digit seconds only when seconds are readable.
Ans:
1.26
